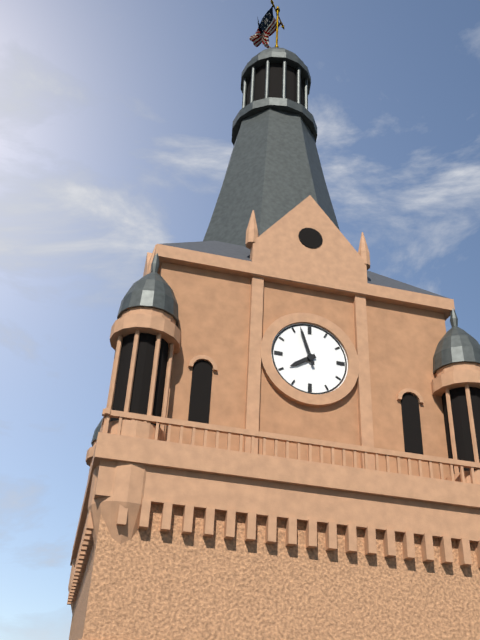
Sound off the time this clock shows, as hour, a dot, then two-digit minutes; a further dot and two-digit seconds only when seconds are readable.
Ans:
7.57
